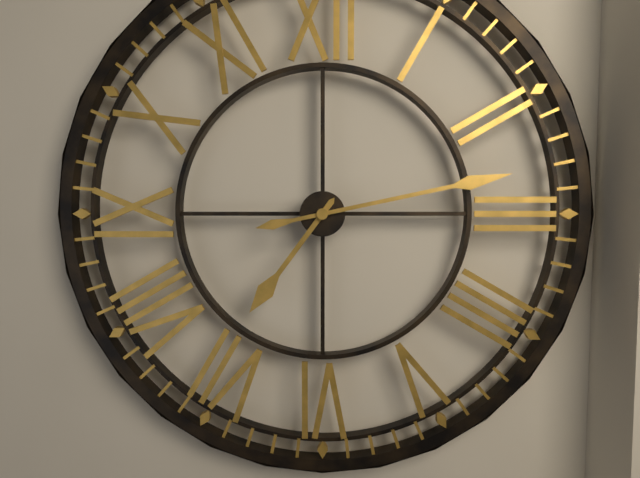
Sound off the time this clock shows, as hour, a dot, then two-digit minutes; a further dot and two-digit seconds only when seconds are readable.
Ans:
7.13
